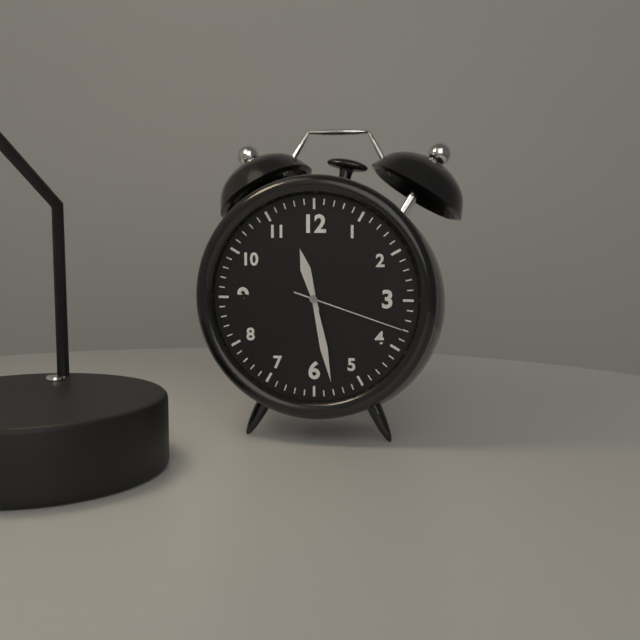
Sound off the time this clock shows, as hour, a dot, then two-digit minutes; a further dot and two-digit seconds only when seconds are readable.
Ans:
11.28.18
